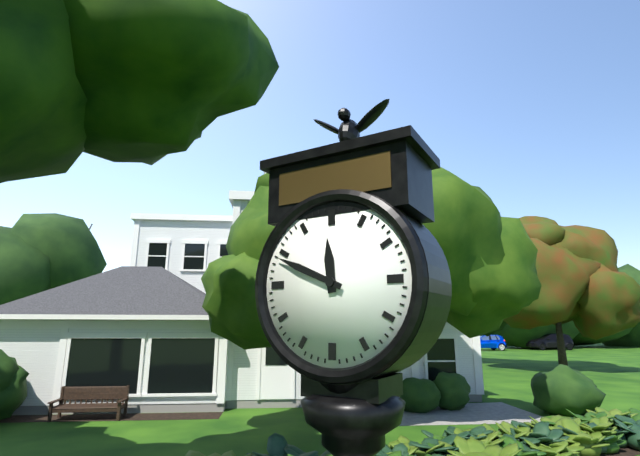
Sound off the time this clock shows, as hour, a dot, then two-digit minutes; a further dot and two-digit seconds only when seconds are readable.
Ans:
11.49
